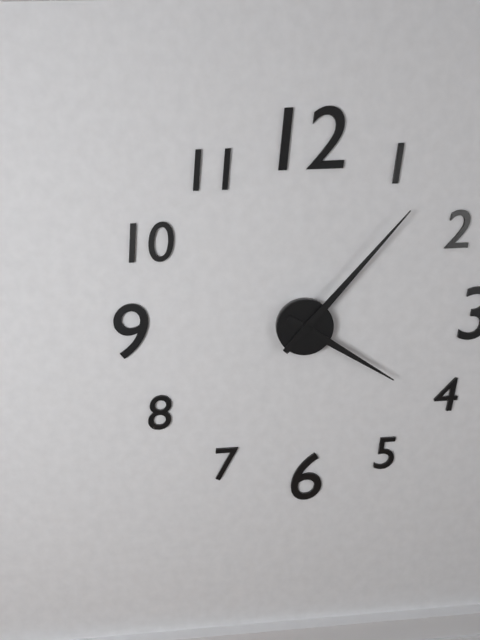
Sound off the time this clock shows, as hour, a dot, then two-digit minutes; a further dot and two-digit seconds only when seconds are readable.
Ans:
4.07
